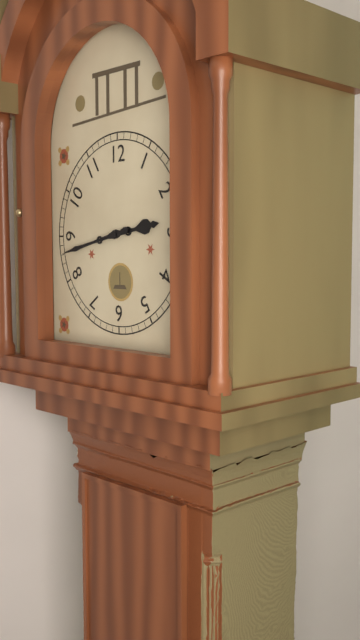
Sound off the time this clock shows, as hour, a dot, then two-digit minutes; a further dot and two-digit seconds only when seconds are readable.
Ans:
2.43
